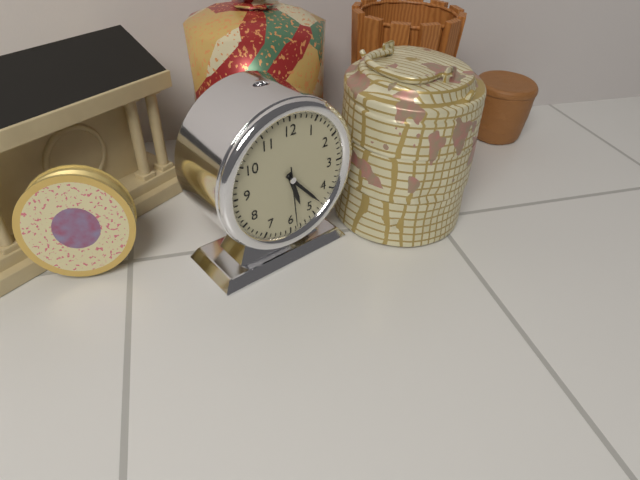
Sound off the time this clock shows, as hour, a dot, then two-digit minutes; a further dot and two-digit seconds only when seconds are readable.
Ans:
5.23.29
